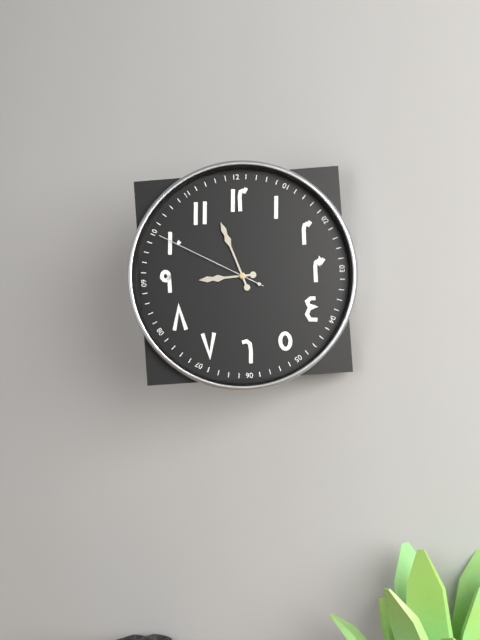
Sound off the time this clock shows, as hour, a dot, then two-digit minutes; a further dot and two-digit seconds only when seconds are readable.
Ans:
8.57.50
